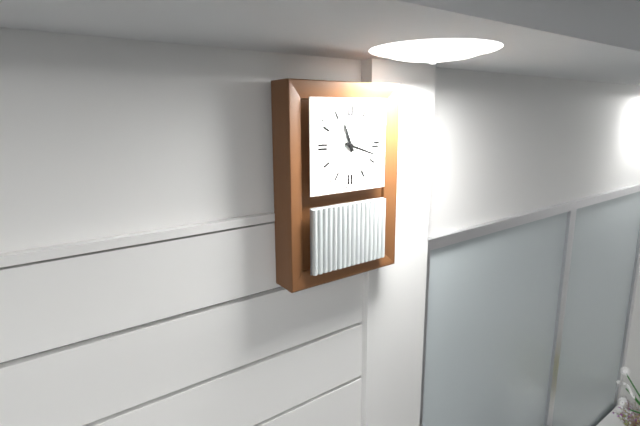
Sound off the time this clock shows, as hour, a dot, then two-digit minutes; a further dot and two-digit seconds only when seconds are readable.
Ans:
11.18
